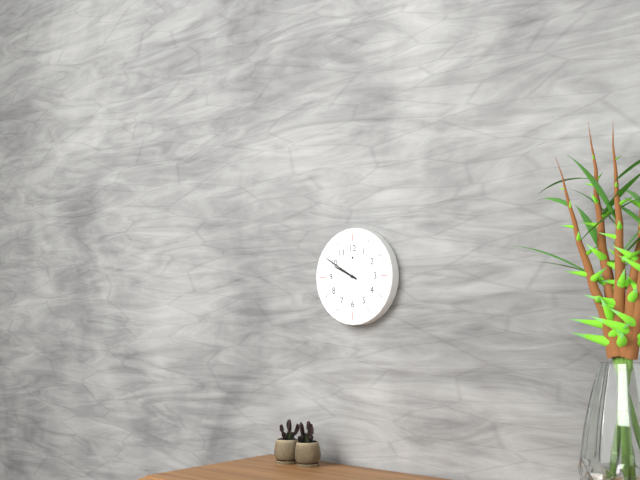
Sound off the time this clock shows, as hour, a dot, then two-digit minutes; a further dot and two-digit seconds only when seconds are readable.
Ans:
9.50
